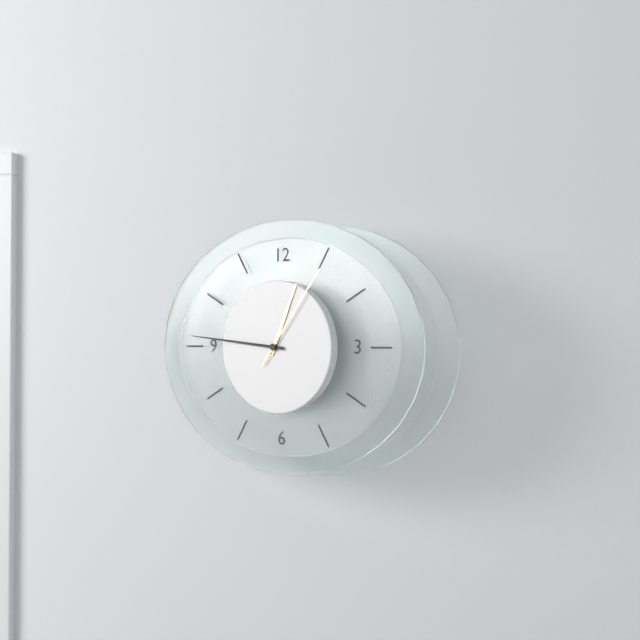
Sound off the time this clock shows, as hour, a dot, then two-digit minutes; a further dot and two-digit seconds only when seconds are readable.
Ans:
12.46.06
